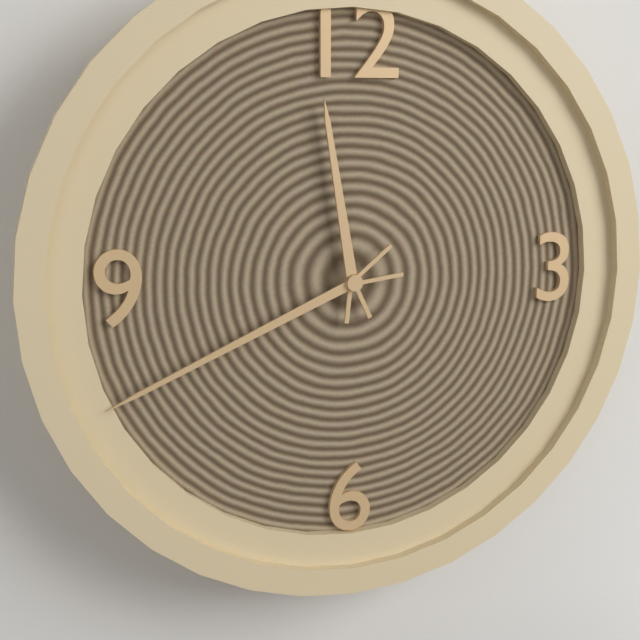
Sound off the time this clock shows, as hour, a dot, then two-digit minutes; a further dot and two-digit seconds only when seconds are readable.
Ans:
11.41
